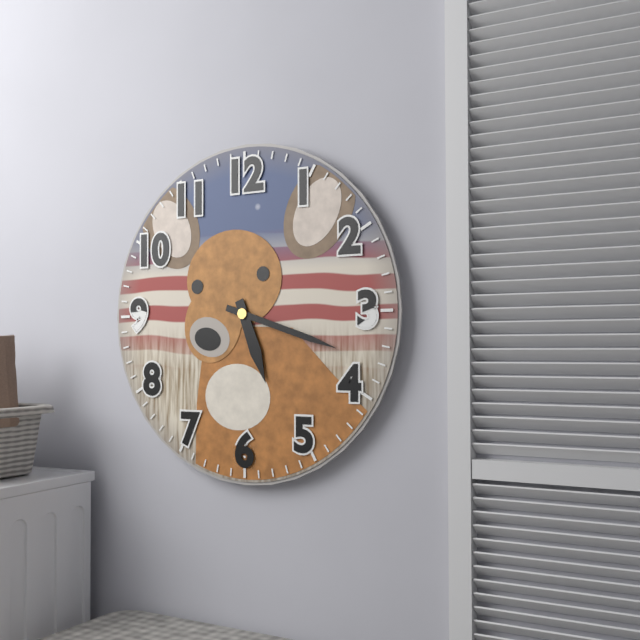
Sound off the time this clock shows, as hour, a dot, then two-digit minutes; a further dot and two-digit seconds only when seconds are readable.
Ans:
5.18
